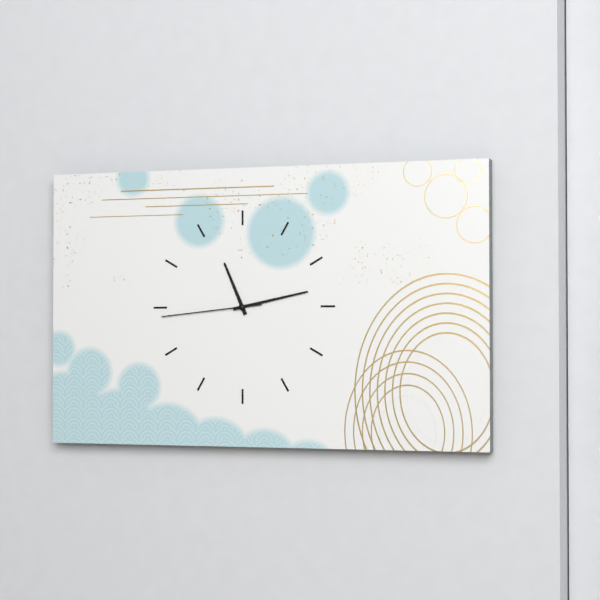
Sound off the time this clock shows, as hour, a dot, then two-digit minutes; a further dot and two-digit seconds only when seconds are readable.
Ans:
11.13.44
